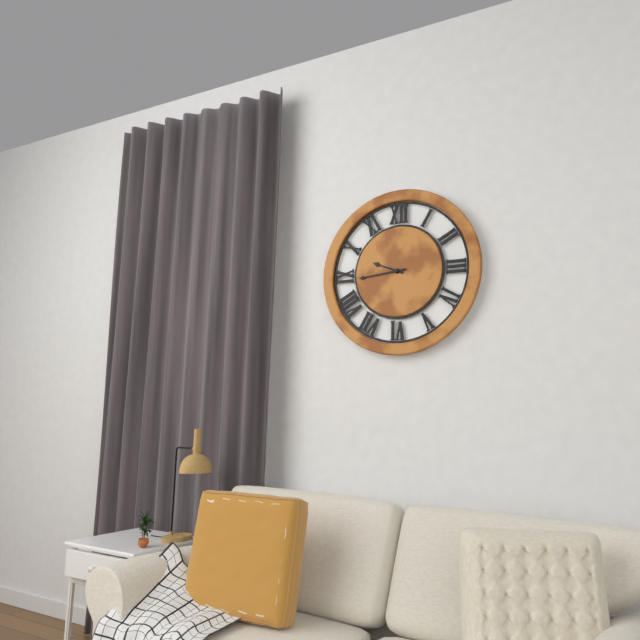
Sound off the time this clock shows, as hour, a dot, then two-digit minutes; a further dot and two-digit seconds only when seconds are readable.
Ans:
9.44
